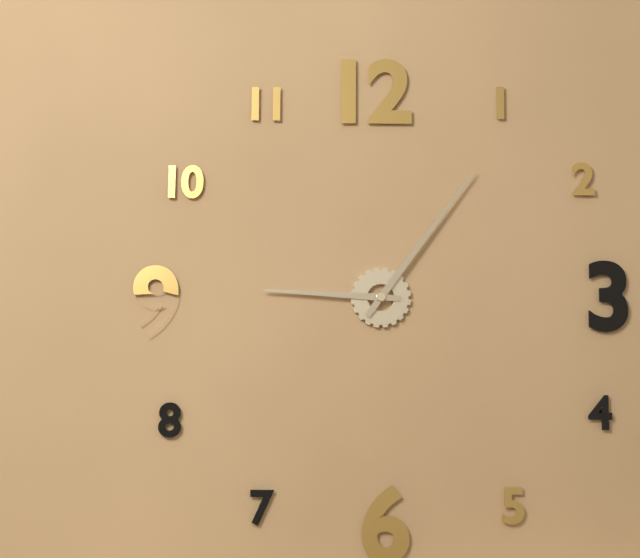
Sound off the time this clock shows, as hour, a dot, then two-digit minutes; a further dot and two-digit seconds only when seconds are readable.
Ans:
9.06
